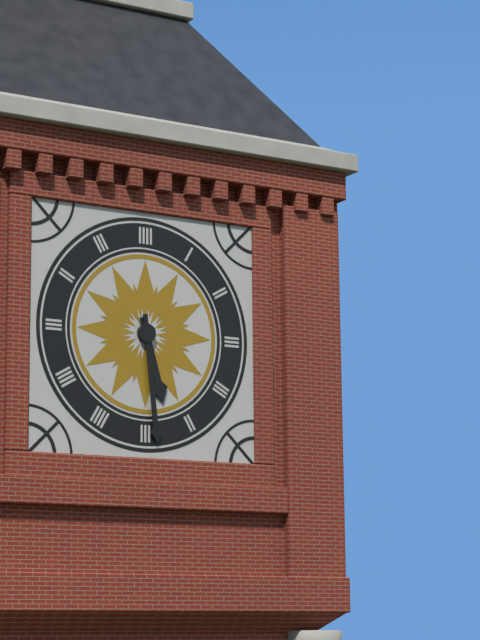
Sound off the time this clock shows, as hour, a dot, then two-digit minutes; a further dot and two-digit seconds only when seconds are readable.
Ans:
5.29
